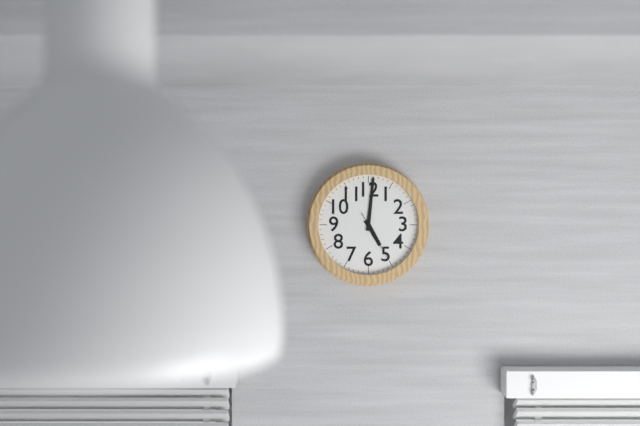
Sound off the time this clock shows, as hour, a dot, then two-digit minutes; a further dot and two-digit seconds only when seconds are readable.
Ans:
5.01
